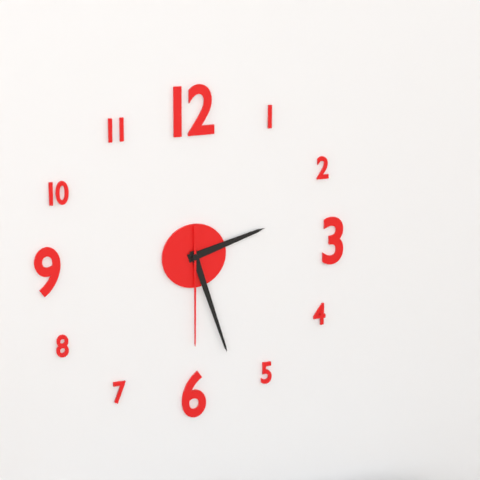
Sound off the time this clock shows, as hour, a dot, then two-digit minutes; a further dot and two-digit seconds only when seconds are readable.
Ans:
2.27.30
